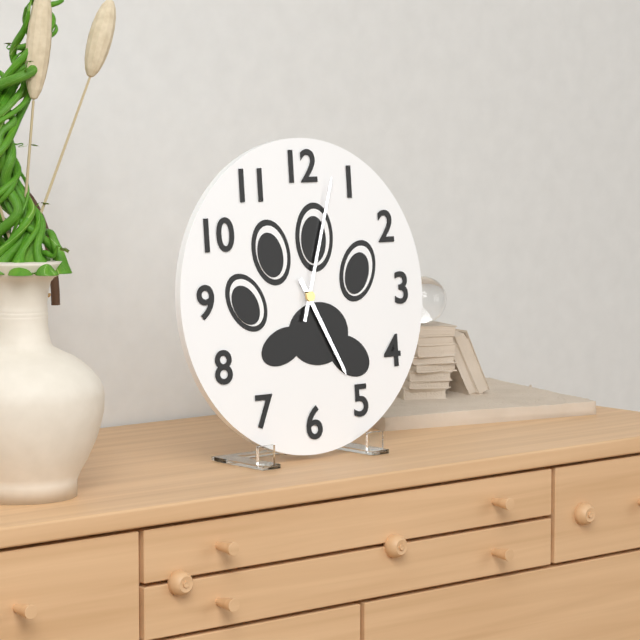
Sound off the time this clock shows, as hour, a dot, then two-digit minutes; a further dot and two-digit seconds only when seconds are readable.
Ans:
5.03
